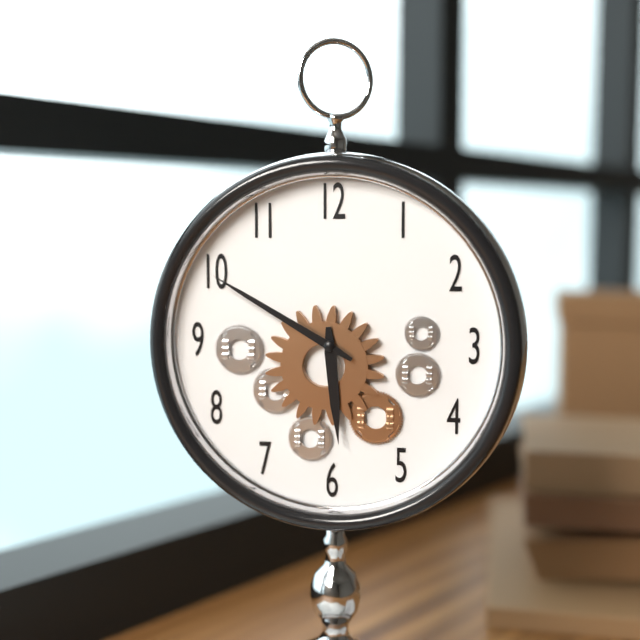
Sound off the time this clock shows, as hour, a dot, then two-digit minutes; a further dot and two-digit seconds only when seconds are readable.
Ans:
5.50
